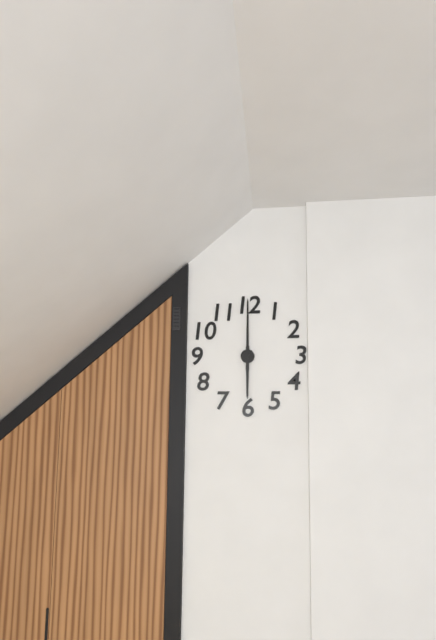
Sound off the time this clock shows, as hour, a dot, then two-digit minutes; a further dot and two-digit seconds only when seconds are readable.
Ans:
6.00
